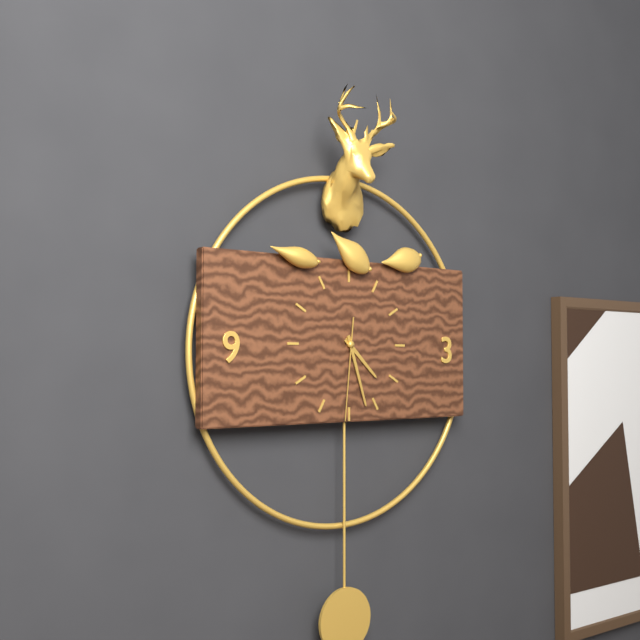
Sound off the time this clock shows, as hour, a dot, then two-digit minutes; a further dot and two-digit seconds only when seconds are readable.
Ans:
4.27.31
